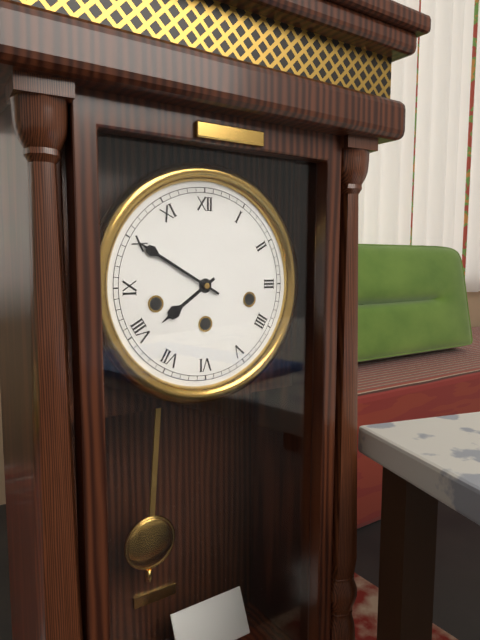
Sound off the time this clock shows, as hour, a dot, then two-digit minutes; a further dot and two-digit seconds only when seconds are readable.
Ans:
7.50
